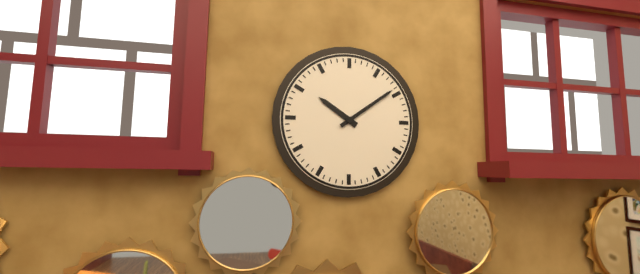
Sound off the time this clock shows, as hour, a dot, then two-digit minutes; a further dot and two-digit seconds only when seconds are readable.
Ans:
10.09
